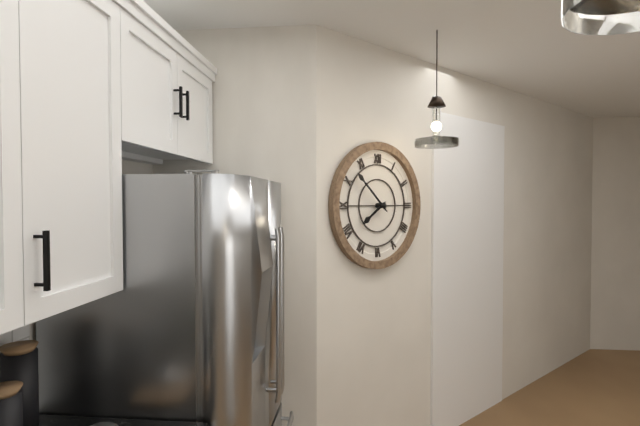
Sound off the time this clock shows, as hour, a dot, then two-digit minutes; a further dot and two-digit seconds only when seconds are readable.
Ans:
7.52
